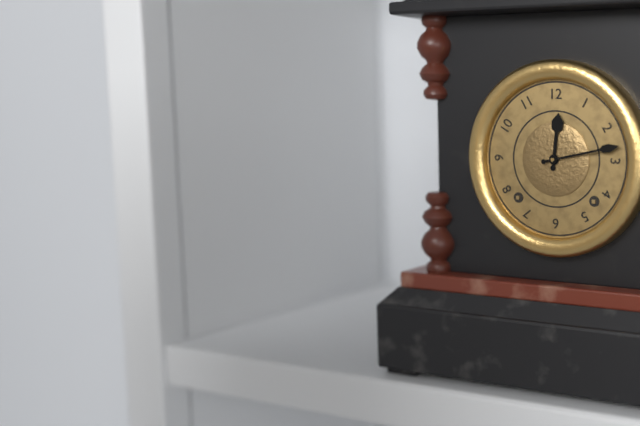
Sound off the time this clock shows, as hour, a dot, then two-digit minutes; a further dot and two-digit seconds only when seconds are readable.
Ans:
12.13
